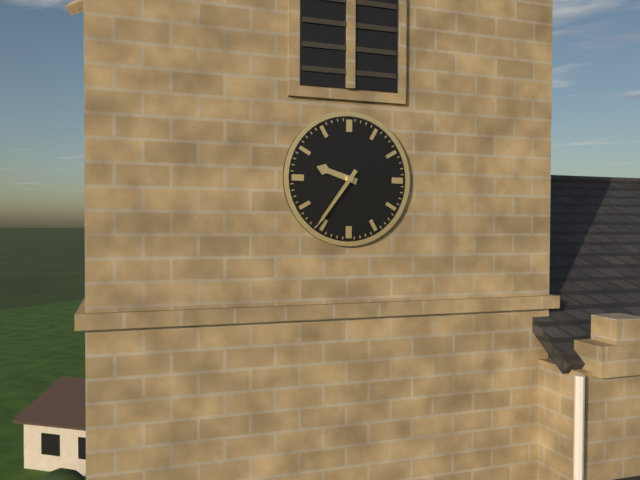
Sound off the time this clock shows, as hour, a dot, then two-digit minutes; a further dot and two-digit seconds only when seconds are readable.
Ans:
9.36
